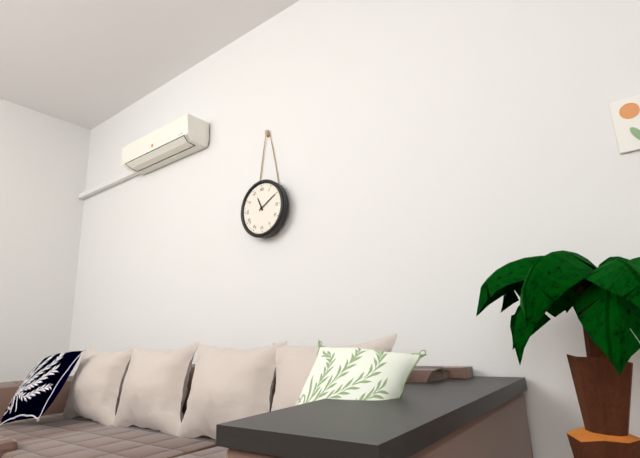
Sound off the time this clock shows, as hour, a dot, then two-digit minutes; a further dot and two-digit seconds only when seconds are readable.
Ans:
11.10
